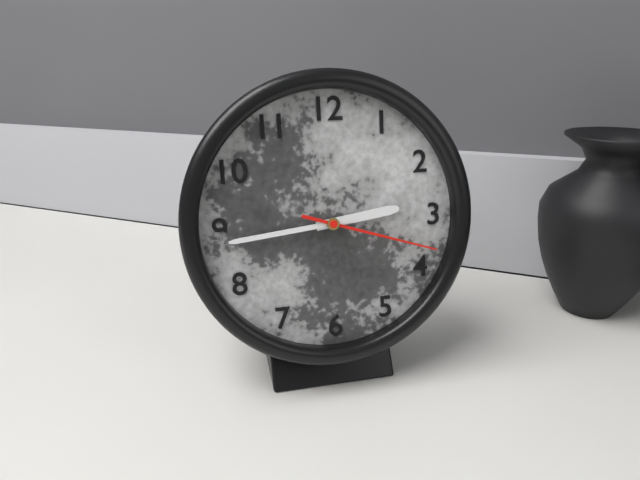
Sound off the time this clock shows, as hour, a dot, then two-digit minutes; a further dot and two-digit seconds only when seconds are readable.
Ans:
2.44.18
